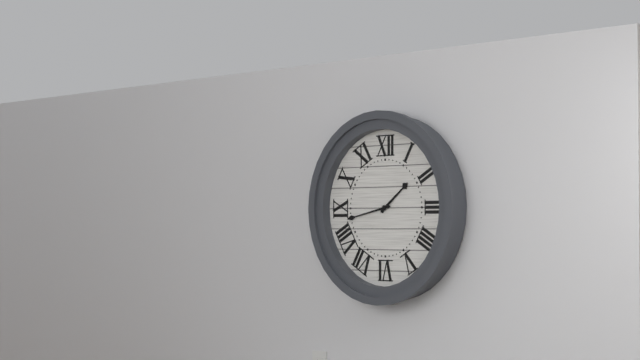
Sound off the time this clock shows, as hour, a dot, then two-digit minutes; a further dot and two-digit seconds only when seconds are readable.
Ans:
1.43
